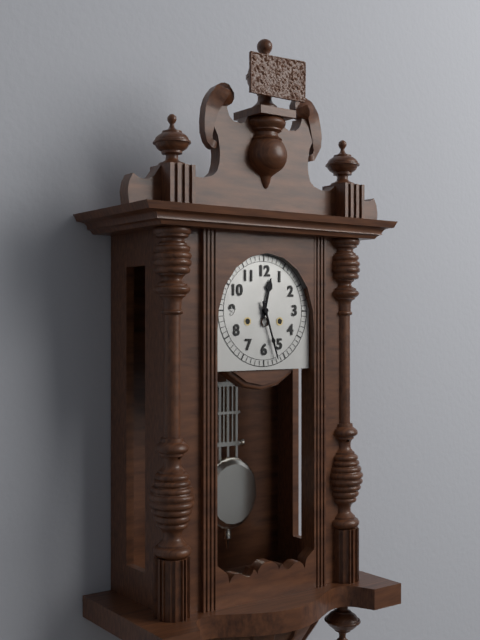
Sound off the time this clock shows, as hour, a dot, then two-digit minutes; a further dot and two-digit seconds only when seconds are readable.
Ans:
12.27
